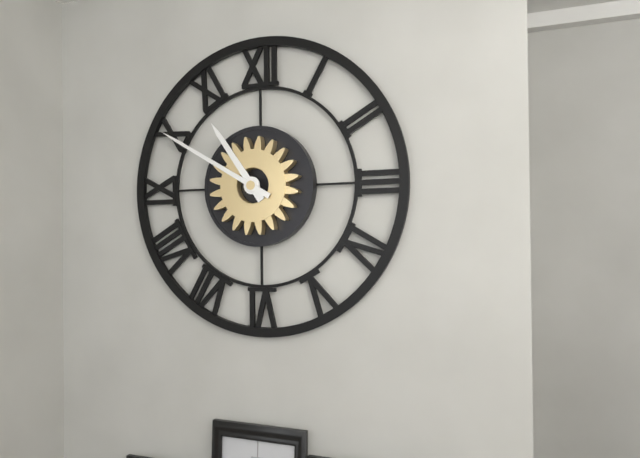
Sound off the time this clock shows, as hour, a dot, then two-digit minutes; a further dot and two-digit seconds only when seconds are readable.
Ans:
10.50
